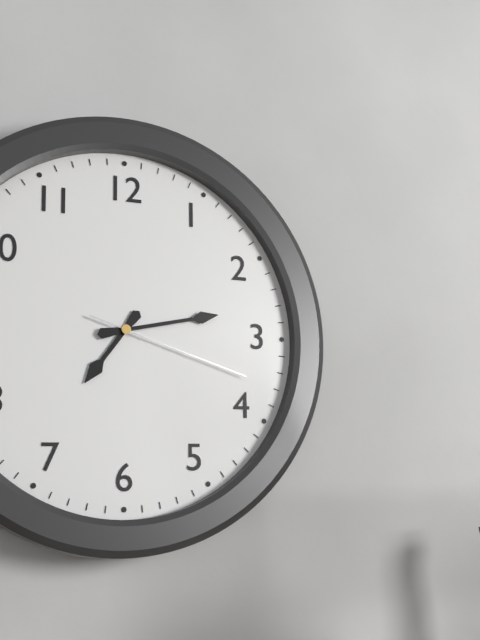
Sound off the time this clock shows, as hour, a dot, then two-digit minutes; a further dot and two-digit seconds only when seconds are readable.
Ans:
7.13.18
